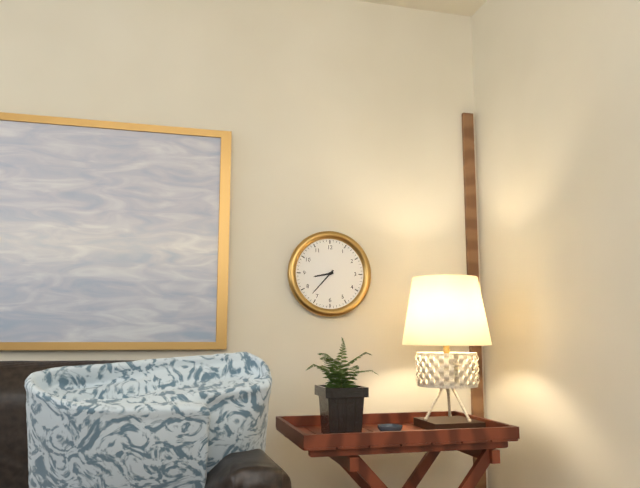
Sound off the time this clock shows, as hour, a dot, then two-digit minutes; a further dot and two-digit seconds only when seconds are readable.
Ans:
8.37
